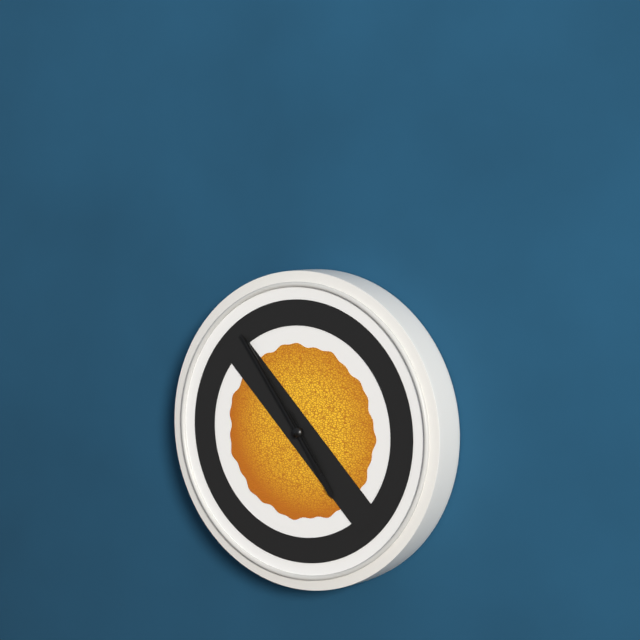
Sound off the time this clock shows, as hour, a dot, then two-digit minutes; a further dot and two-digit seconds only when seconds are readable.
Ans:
4.54.54
